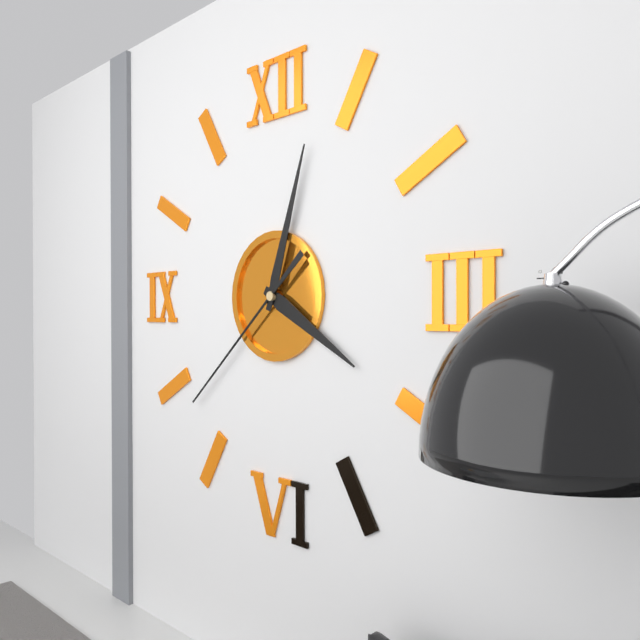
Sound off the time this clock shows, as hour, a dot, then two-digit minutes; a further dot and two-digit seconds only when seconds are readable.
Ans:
4.03.38
